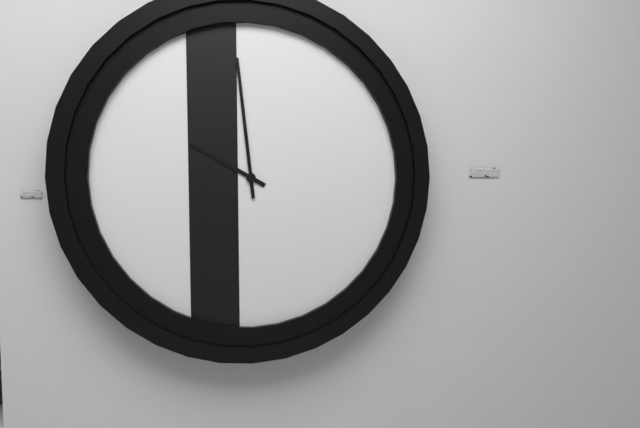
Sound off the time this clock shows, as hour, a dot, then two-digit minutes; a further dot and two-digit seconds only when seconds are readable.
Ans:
9.59
